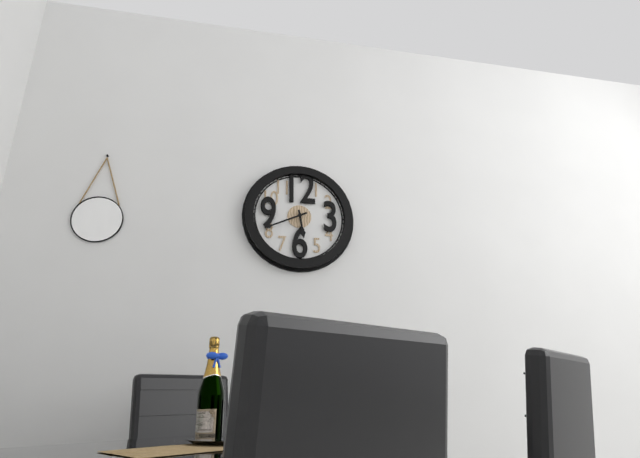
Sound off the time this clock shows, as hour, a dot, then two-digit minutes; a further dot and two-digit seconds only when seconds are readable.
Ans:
5.41
